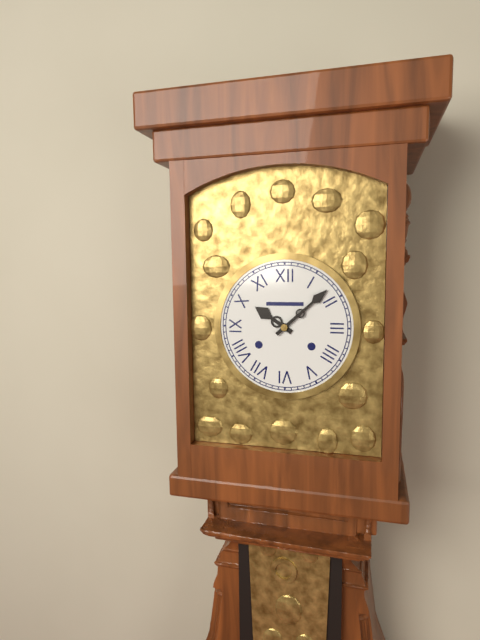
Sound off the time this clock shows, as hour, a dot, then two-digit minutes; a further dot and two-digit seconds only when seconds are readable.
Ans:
10.08
